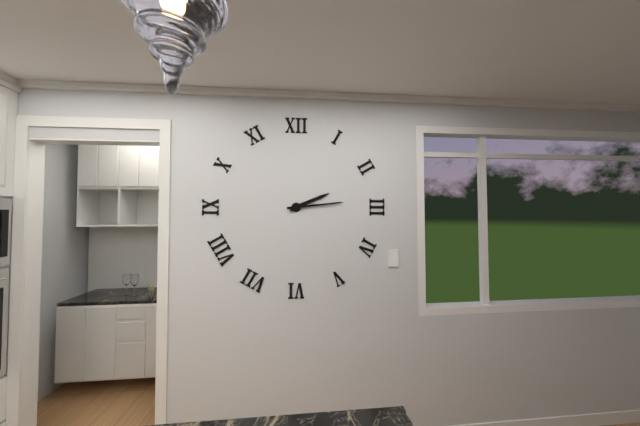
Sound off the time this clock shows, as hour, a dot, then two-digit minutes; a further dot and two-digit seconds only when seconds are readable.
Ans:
2.14
